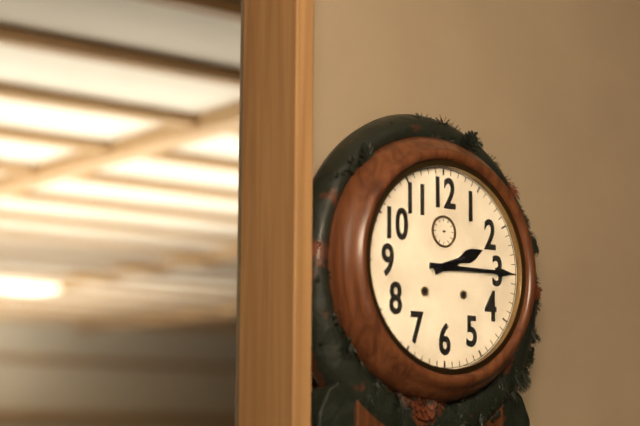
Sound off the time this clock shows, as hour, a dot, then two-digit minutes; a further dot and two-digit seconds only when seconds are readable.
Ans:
2.15
